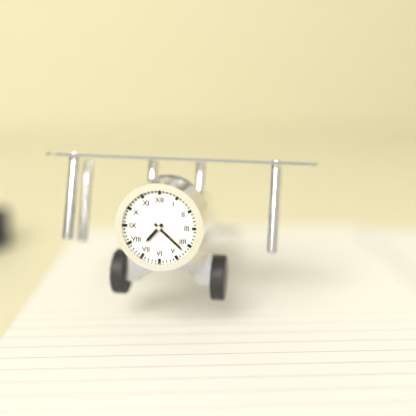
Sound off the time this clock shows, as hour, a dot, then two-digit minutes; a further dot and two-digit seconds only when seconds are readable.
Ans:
7.22
